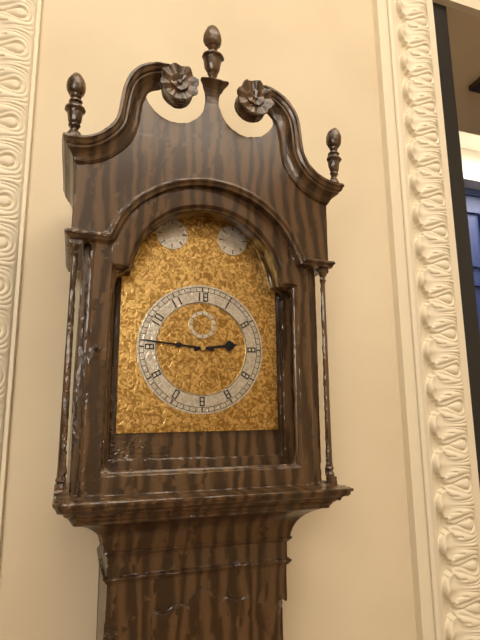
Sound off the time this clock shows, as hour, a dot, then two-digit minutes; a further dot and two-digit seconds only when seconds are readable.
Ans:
2.46
